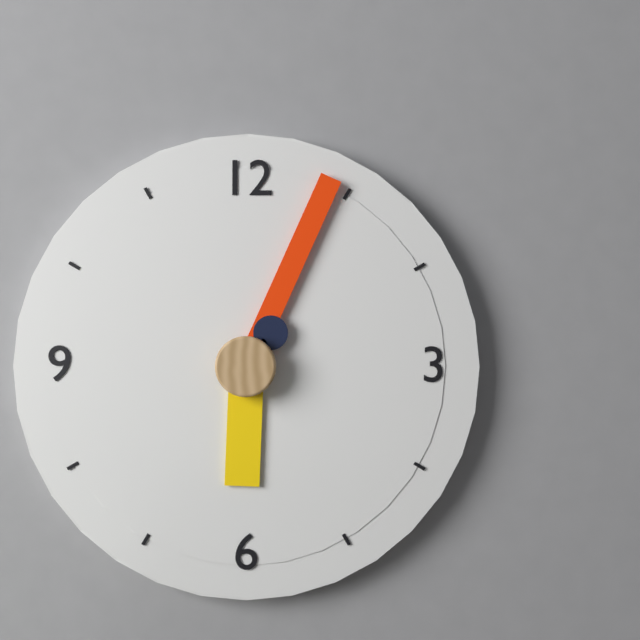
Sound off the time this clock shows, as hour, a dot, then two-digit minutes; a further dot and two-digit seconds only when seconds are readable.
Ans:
6.04.06
